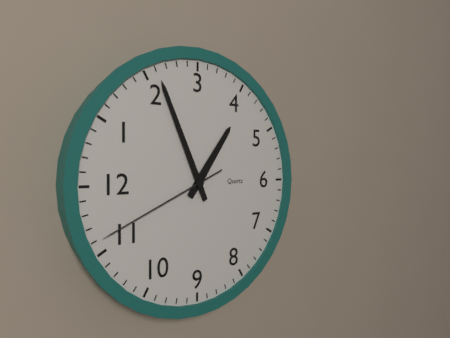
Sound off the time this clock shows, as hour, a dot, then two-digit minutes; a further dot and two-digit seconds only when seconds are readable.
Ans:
4.11.56
